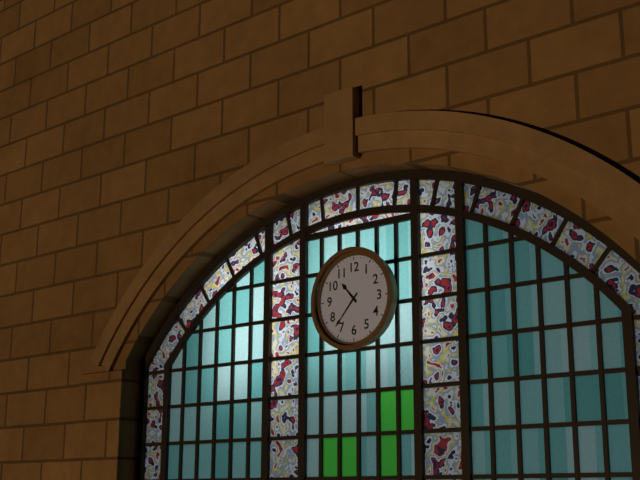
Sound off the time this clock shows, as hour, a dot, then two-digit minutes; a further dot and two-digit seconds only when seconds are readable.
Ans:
10.37
